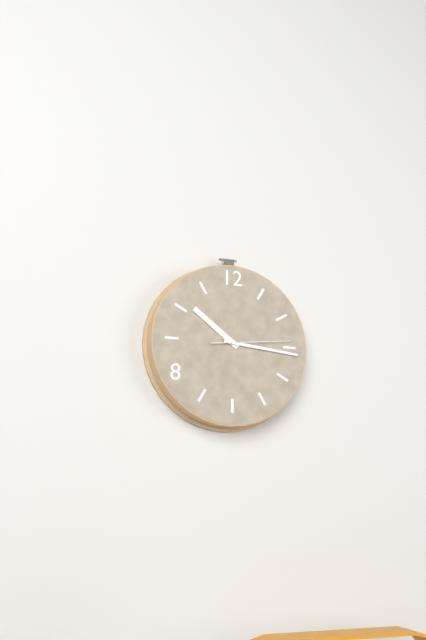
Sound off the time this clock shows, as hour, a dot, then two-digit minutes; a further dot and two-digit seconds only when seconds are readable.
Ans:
10.16.14
